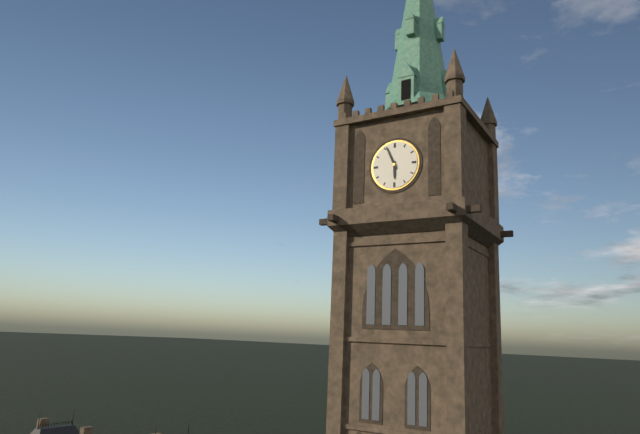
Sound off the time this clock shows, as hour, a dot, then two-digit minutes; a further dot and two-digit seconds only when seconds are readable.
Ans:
5.56
